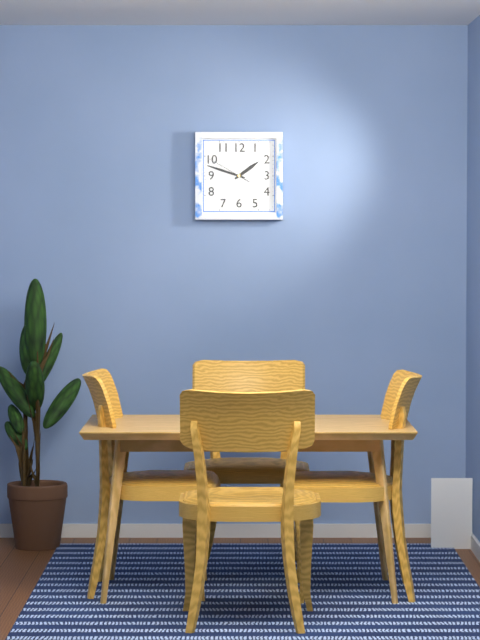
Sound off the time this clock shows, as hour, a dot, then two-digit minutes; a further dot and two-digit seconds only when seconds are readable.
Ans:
1.48
